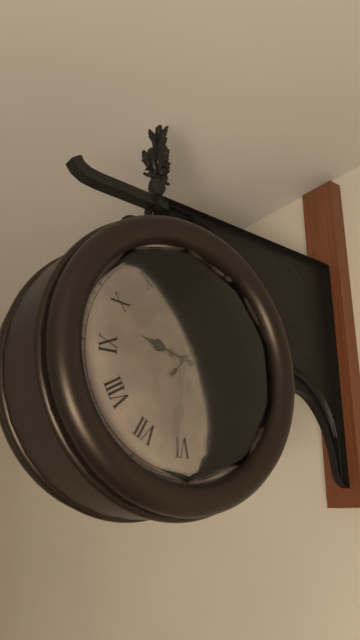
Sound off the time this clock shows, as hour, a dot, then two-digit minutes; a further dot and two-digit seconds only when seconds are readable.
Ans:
9.31.07
